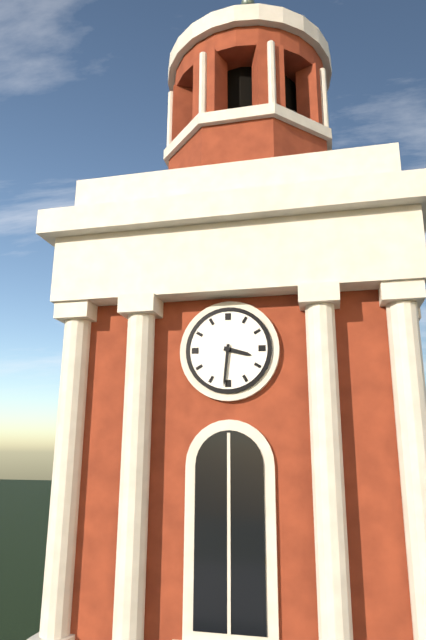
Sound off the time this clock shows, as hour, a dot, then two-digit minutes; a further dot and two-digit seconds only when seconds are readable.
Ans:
3.31
